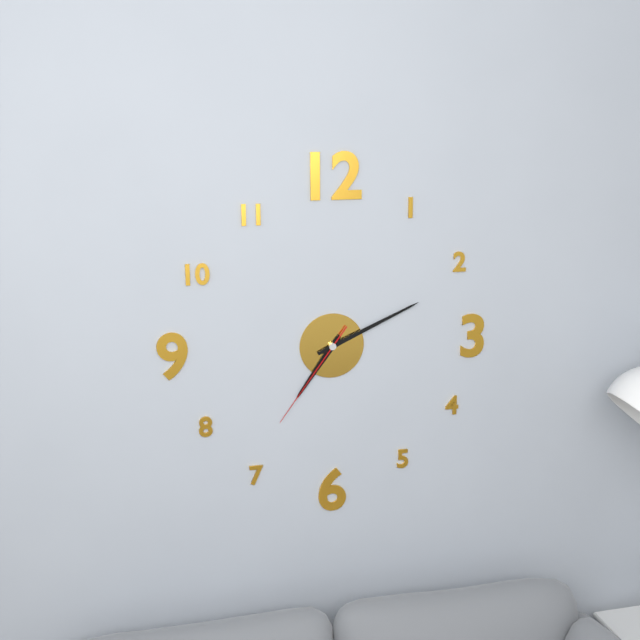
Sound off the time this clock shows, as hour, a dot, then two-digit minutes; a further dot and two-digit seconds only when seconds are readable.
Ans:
7.11.36
